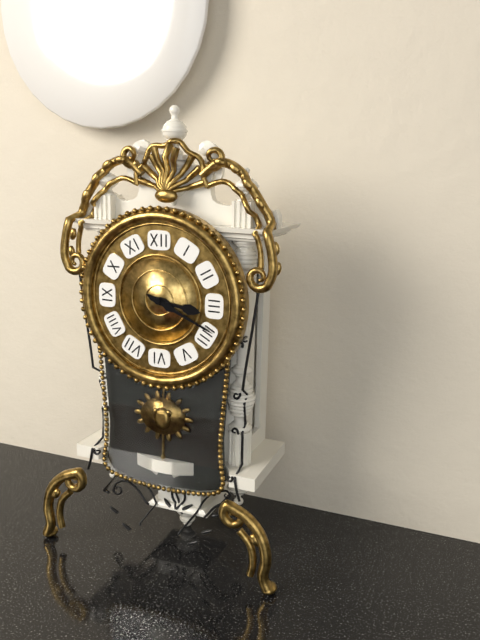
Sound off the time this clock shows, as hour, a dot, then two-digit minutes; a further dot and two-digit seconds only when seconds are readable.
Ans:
3.19
